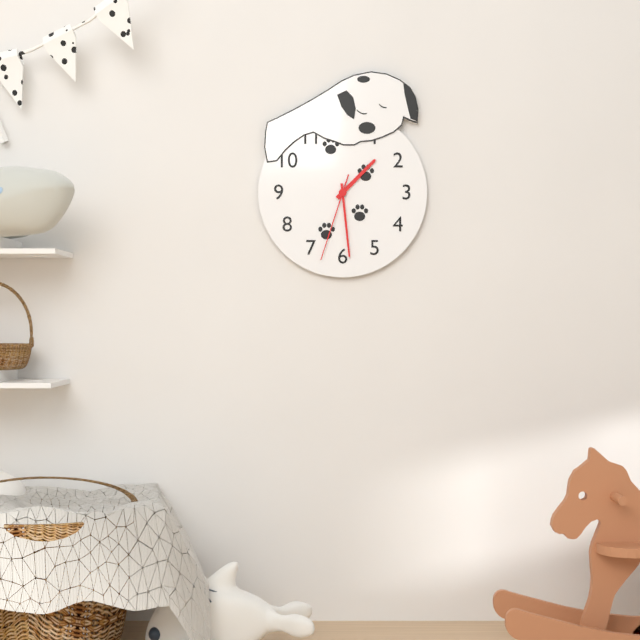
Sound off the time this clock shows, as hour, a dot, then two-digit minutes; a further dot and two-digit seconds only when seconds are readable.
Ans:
1.29.33
